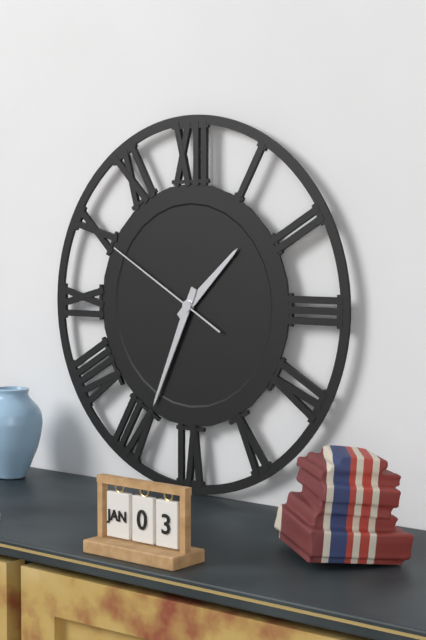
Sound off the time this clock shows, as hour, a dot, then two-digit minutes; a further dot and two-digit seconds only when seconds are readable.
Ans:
1.34.50
